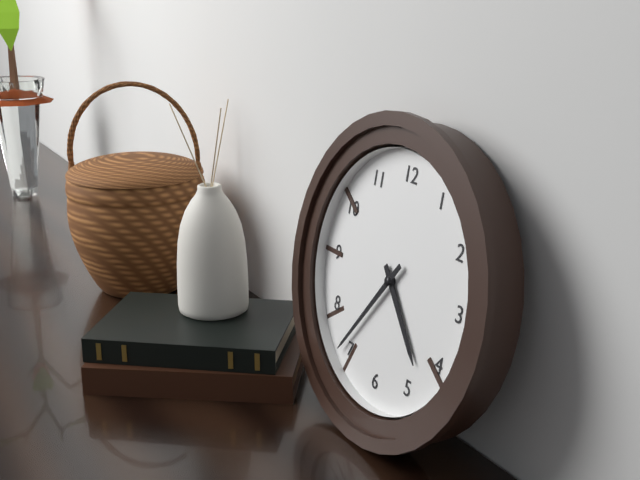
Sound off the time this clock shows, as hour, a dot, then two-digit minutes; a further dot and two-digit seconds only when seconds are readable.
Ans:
4.36
